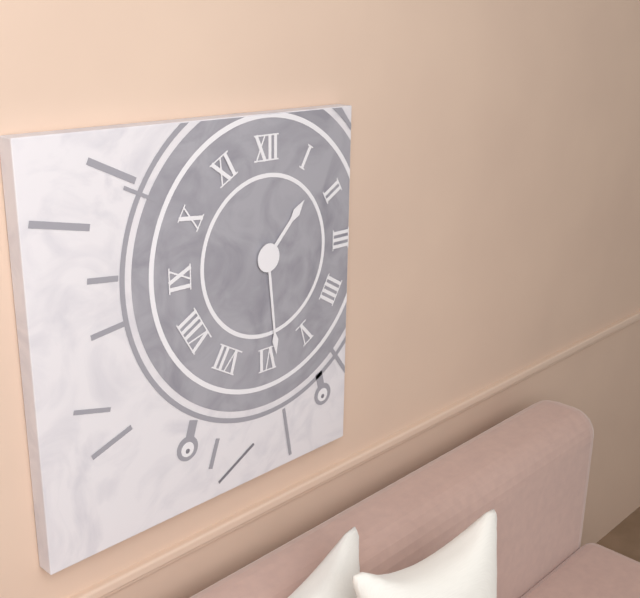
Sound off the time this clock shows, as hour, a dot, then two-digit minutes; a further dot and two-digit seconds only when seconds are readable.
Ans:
1.29
